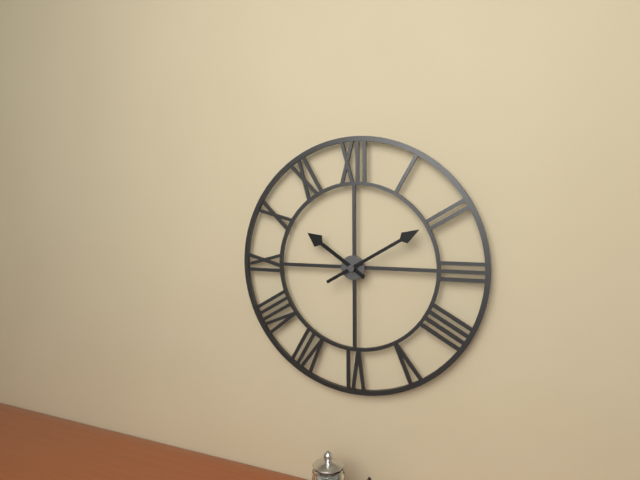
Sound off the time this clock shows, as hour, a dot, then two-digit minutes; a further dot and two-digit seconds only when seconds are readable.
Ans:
10.10
